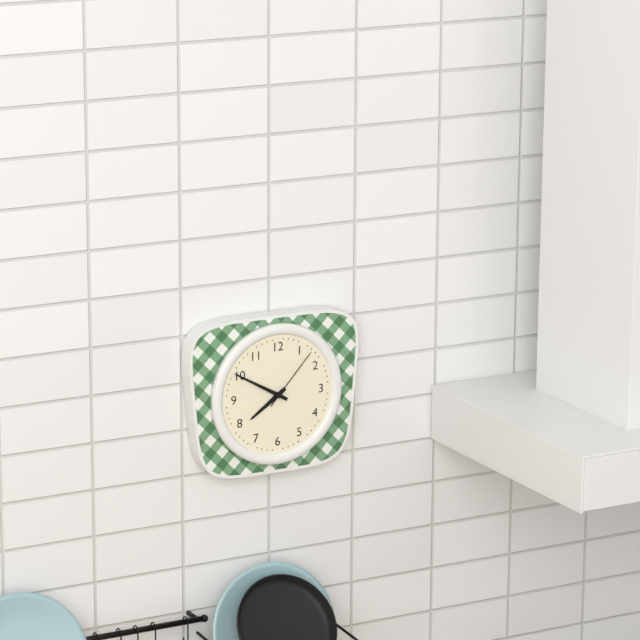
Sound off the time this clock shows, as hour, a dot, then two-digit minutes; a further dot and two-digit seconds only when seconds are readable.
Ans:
7.50.07
